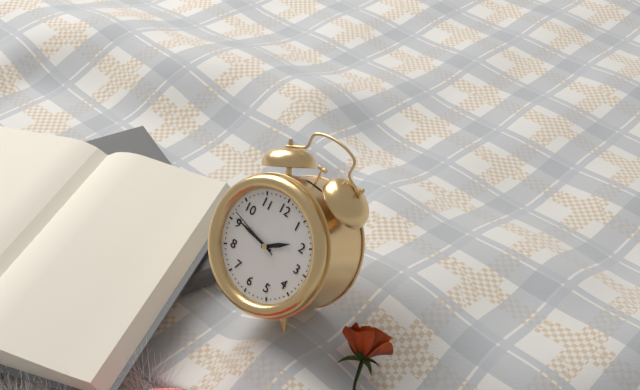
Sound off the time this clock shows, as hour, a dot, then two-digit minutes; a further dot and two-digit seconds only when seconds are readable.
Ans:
1.46.47
